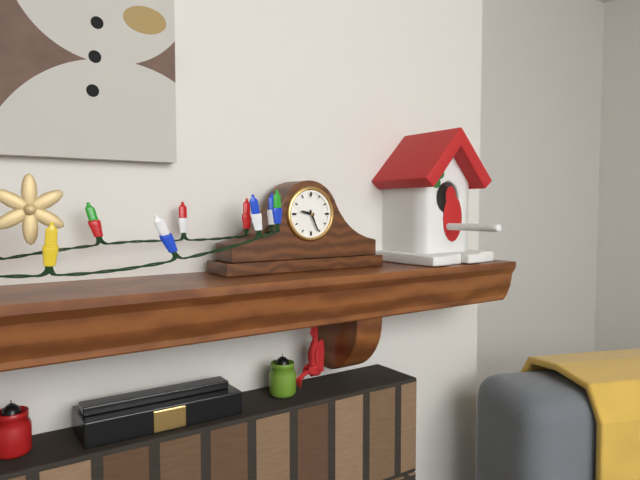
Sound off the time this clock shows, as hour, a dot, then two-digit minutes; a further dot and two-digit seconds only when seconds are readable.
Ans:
9.26
